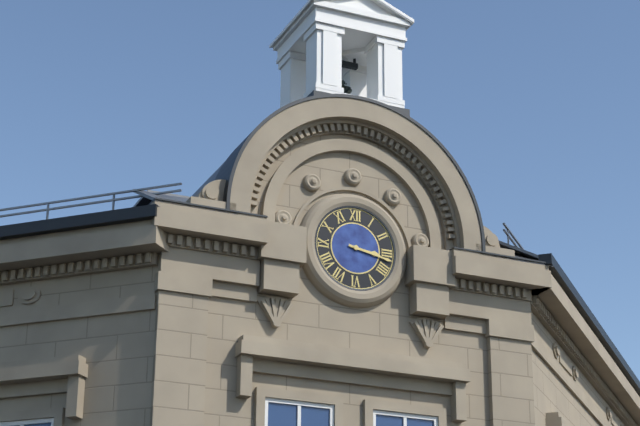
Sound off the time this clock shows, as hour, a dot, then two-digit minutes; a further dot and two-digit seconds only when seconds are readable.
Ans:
3.17
